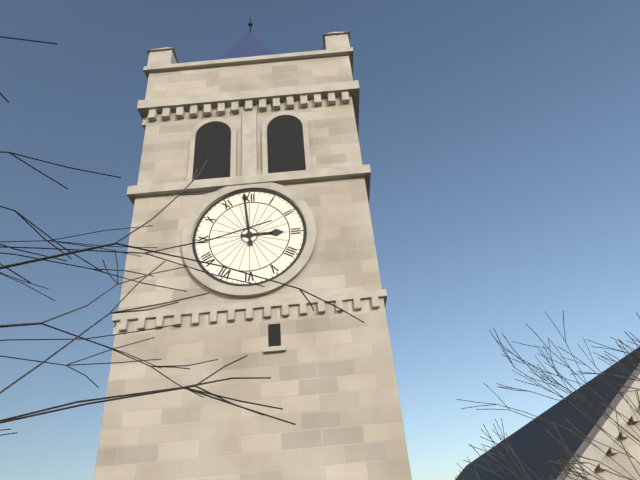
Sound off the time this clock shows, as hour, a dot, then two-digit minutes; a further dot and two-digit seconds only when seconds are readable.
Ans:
2.59
